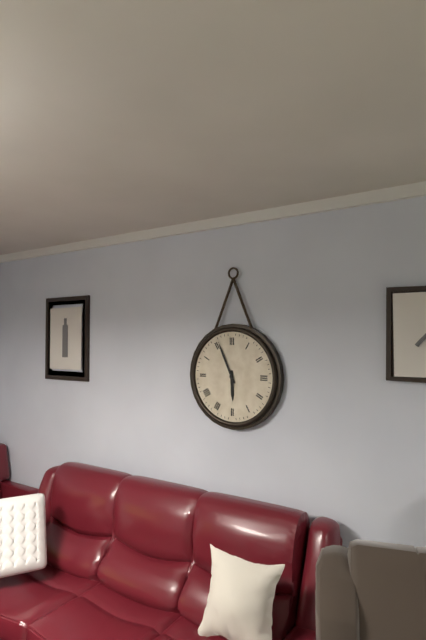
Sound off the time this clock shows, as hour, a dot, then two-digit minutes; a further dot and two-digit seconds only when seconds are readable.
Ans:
5.56
